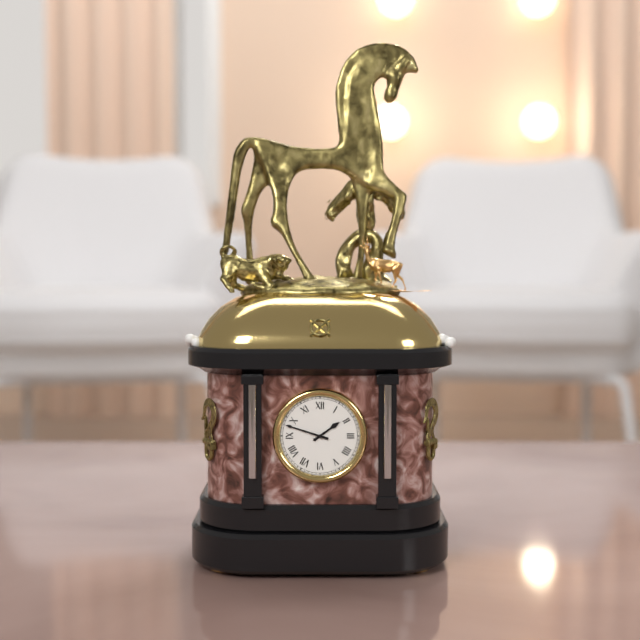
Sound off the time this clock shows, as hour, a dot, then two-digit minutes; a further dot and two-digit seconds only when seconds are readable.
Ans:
1.48
